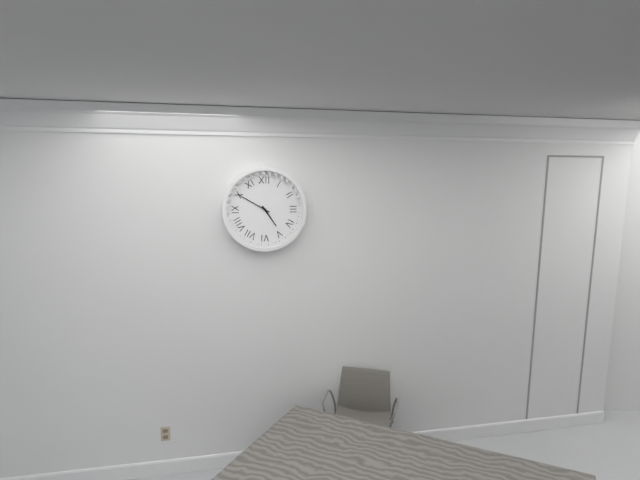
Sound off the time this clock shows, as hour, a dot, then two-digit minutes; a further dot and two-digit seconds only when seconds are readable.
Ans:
4.50
